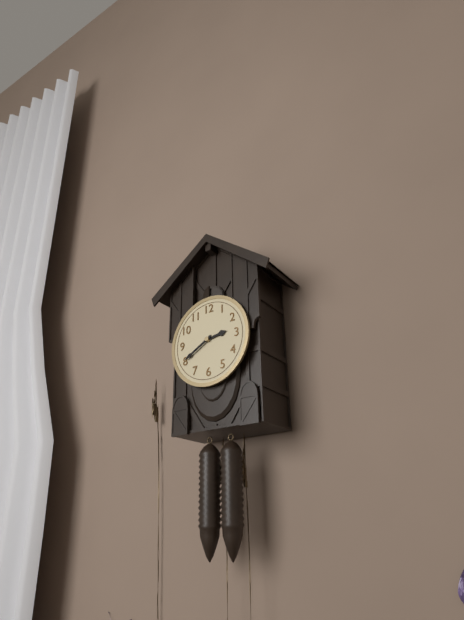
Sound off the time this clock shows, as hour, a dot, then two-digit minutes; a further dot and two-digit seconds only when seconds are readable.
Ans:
2.40
